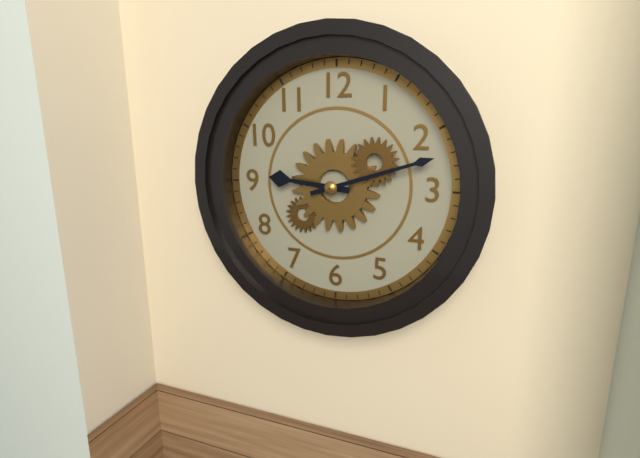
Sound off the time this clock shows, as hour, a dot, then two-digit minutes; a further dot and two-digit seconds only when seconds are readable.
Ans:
9.12
